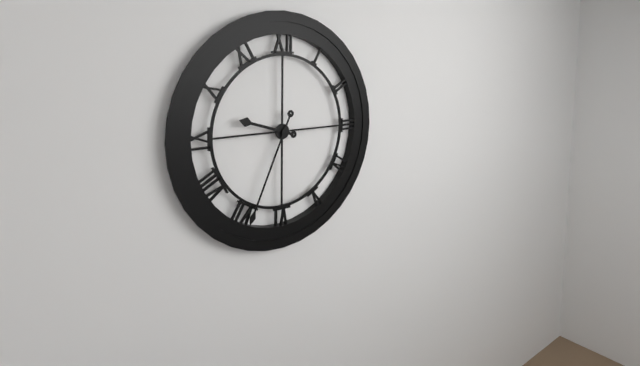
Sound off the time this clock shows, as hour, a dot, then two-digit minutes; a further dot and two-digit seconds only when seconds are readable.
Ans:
9.34
